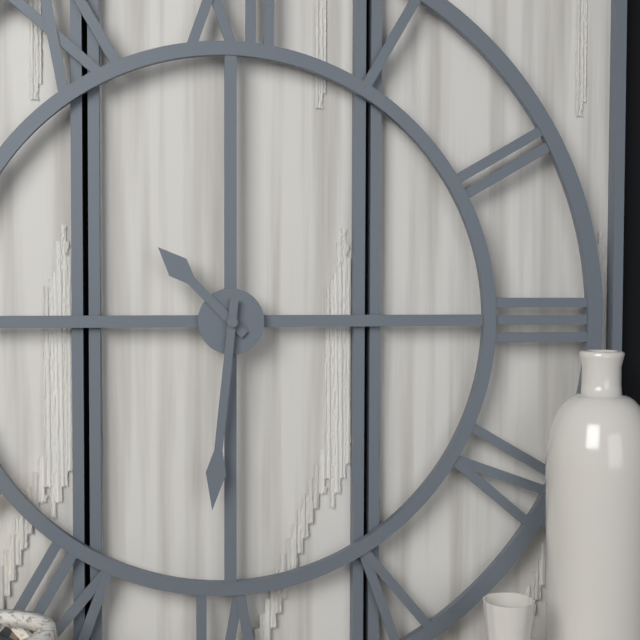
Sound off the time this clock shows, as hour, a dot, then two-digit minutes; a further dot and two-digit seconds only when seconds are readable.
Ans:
10.31
